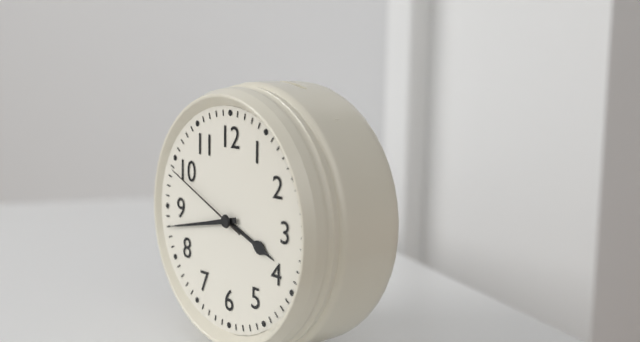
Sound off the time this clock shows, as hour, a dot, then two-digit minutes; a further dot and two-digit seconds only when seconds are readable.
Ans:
3.43.49
